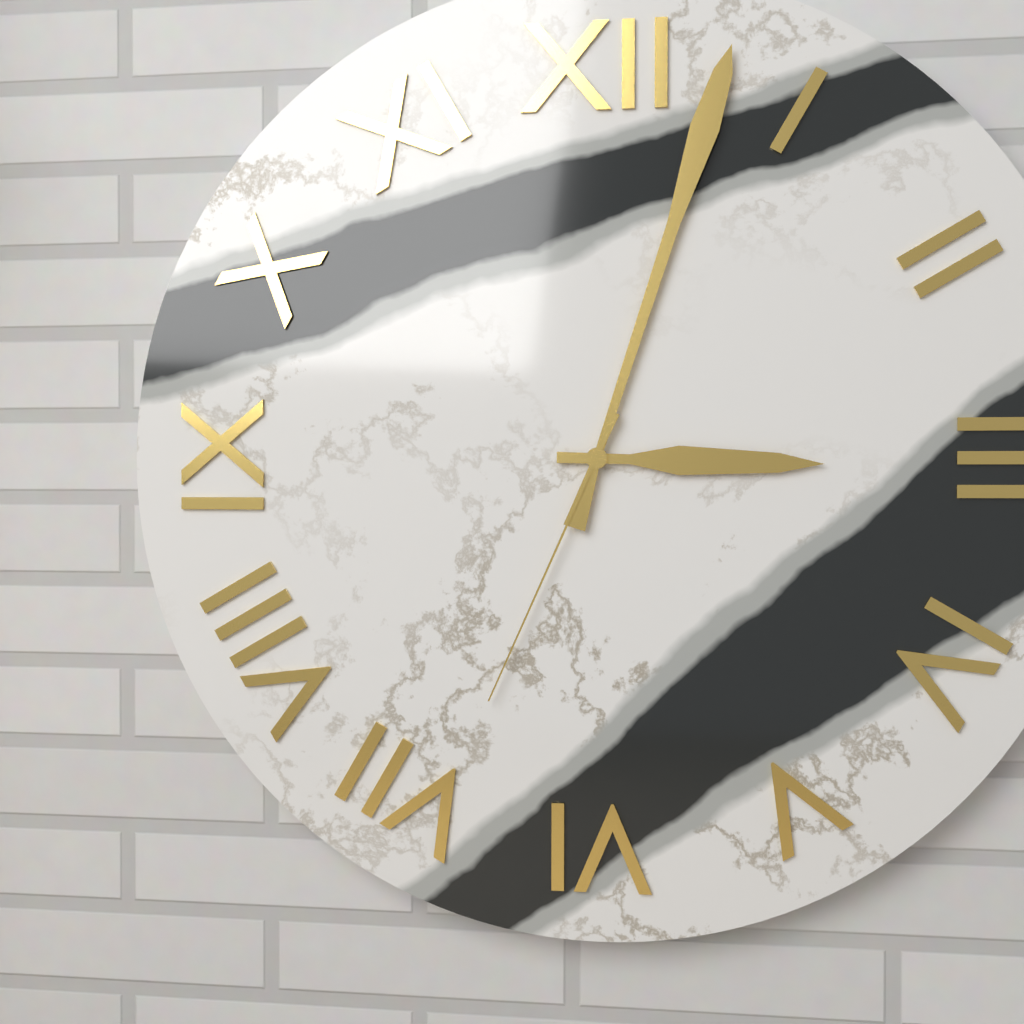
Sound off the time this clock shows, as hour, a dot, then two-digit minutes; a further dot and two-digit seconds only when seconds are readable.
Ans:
3.03.34
